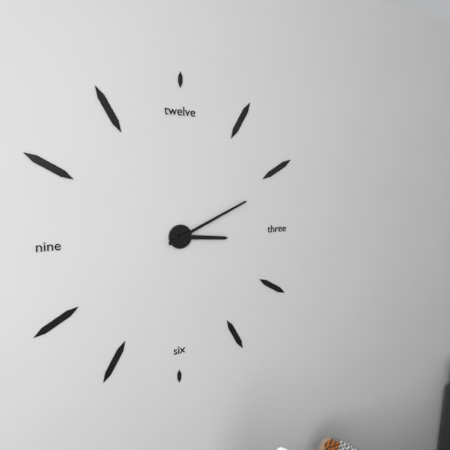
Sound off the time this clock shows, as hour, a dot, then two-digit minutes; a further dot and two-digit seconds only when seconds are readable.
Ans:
3.11
